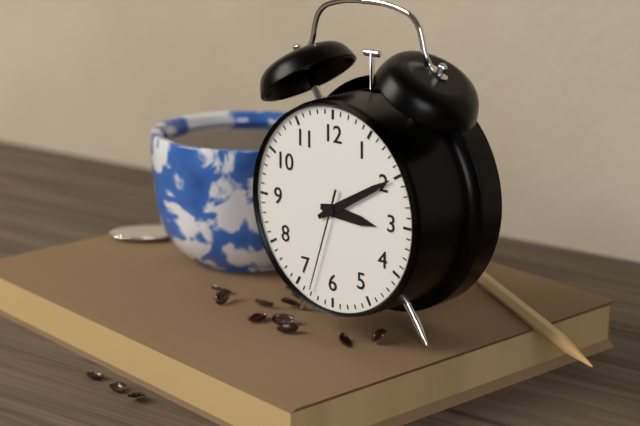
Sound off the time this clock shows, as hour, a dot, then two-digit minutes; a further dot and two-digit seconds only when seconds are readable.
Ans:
3.10.33
